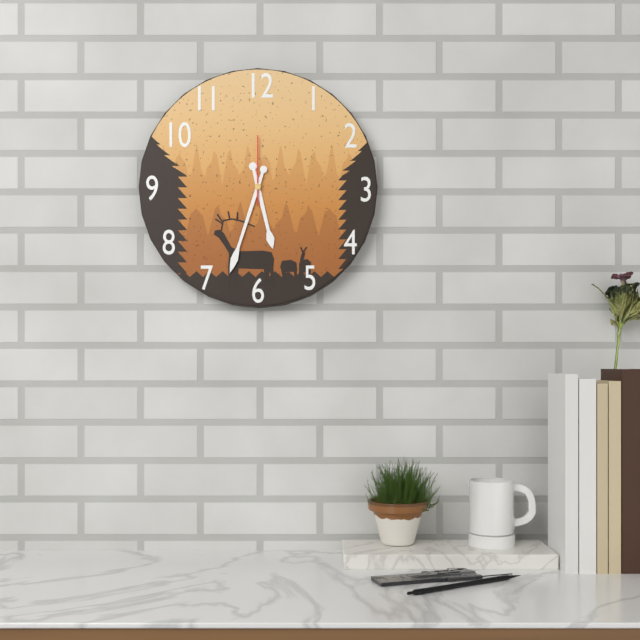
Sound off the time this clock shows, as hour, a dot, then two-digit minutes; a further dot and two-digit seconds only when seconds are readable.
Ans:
5.33.00
